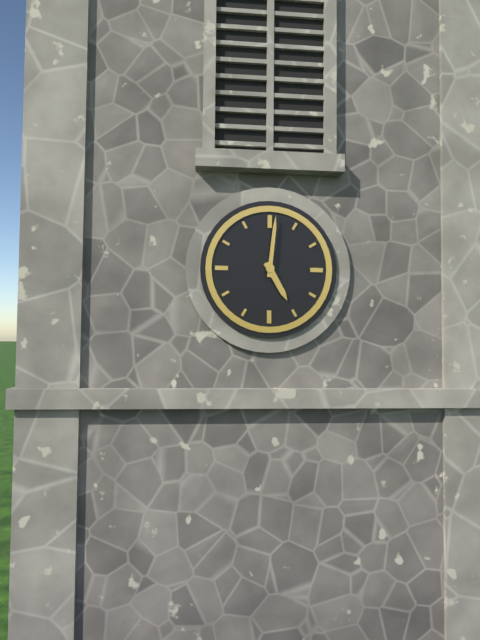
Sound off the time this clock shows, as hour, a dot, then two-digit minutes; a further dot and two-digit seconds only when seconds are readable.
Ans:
5.01
